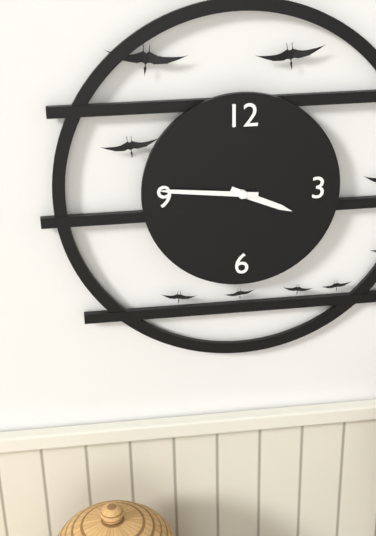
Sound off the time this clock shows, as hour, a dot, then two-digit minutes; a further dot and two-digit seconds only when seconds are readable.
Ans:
3.46
